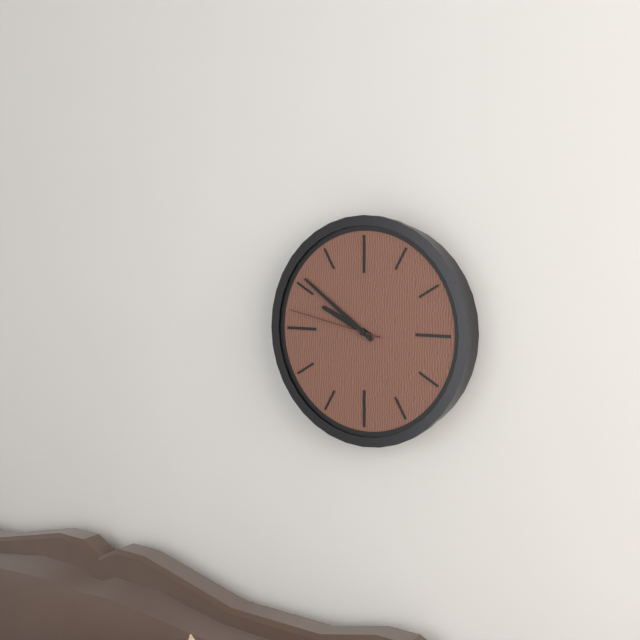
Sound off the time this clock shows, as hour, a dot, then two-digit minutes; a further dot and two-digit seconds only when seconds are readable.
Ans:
9.51.47
